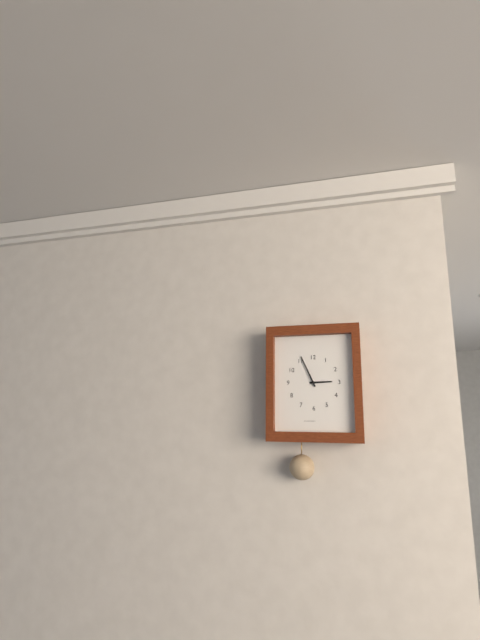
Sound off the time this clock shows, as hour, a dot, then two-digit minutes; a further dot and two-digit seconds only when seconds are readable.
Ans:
2.56
